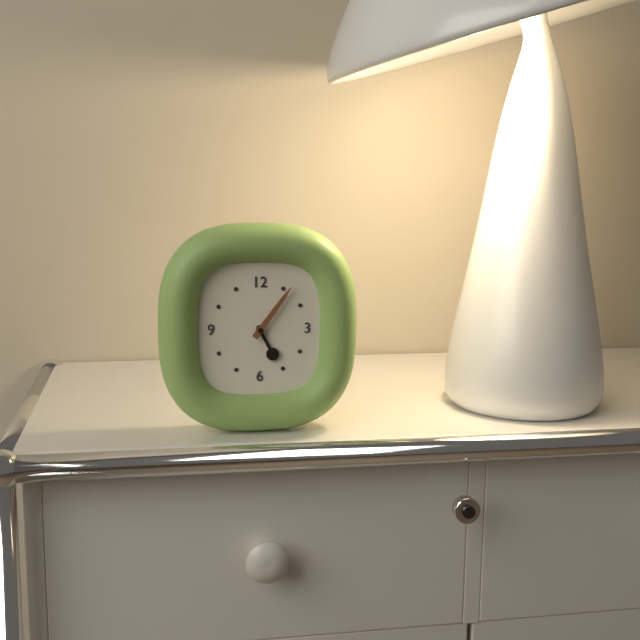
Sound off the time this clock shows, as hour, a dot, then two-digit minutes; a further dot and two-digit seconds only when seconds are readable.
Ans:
5.06
